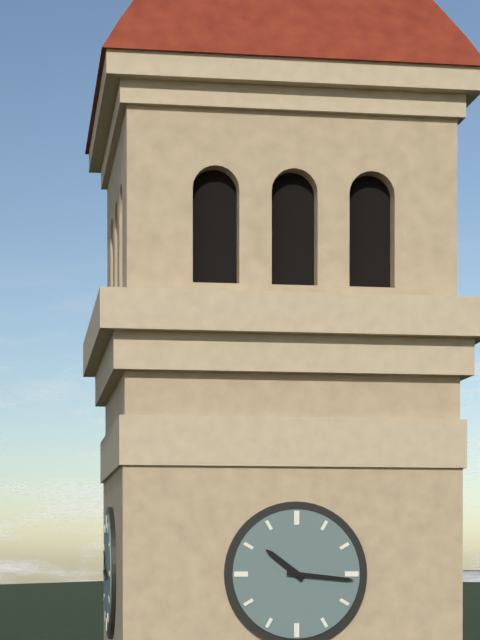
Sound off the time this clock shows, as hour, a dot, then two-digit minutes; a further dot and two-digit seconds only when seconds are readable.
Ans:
10.16
